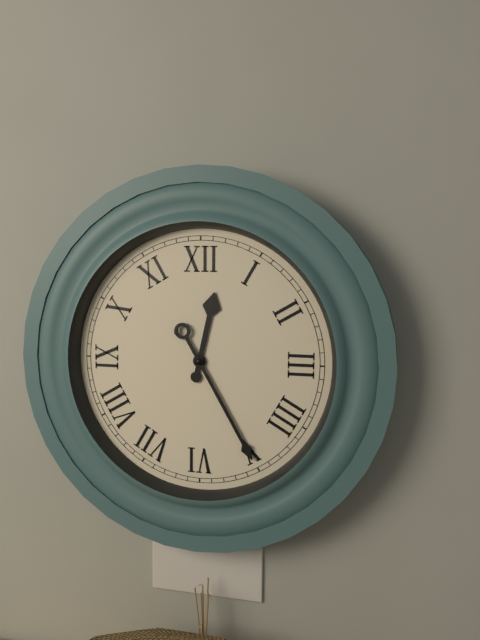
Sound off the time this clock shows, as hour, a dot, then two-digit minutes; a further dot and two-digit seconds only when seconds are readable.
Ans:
12.25
